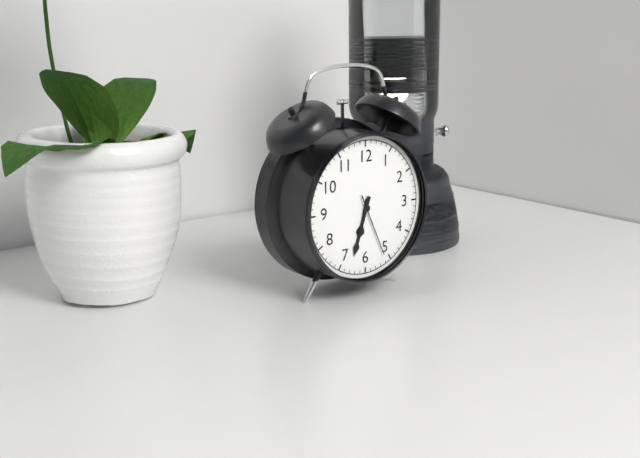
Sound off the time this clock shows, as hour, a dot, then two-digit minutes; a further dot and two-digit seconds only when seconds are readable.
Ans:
6.33.26
